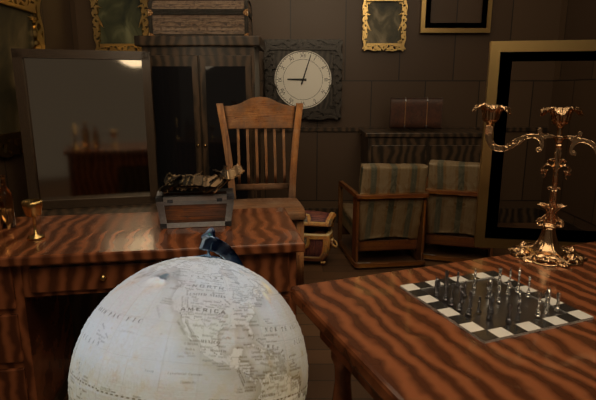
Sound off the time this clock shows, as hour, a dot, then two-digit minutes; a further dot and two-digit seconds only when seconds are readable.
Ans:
9.03
